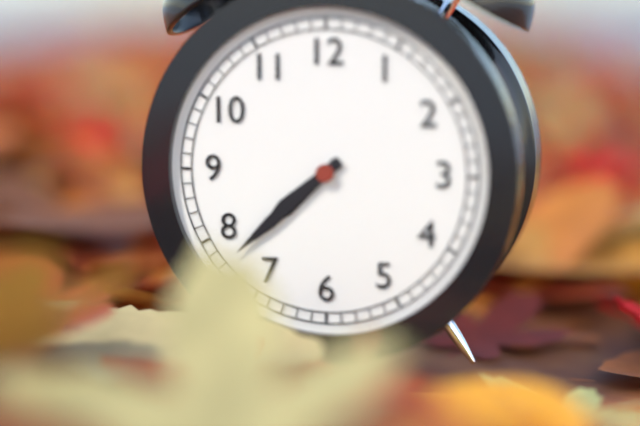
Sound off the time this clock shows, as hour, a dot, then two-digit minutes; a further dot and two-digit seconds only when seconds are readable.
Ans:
7.38
